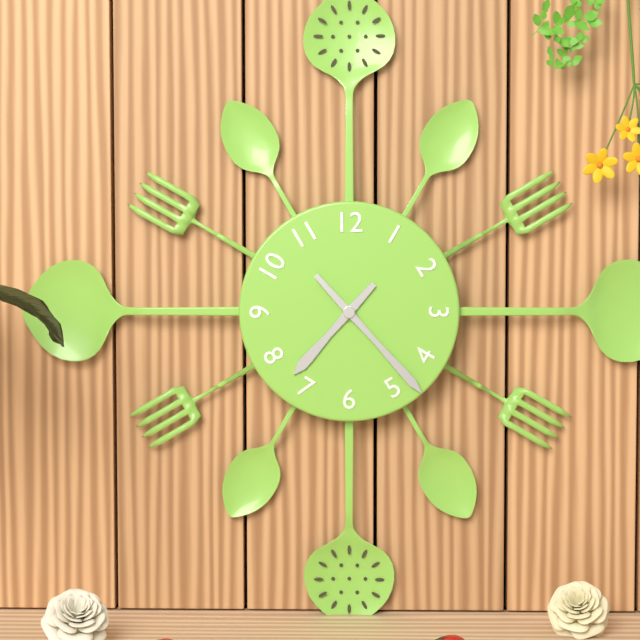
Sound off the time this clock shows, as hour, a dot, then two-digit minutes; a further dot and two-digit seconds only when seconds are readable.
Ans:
7.23
